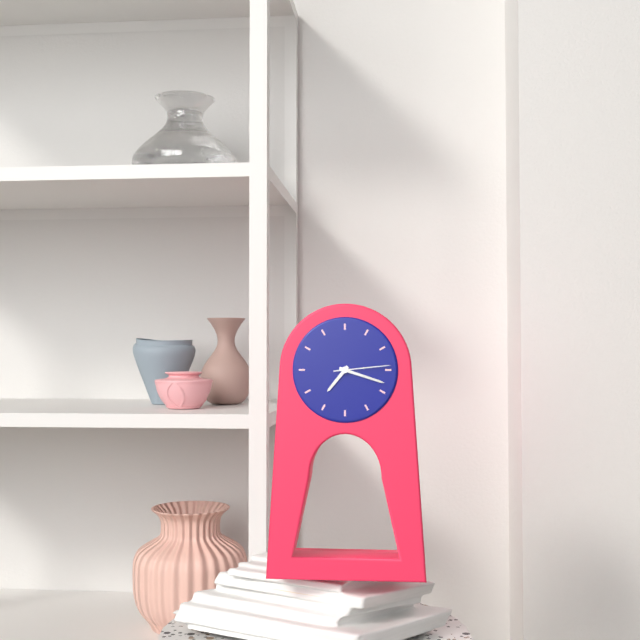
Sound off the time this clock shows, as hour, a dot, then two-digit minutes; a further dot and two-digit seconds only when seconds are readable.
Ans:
7.18.14
